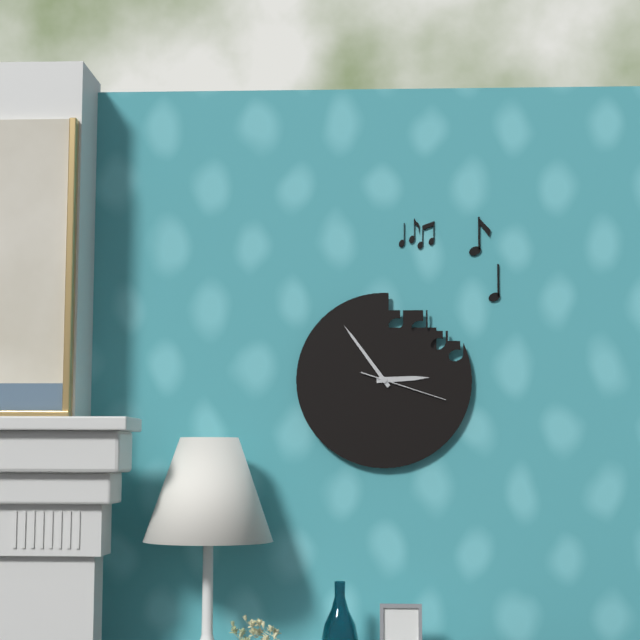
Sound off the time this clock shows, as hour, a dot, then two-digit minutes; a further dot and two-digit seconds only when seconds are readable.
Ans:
2.54.18
